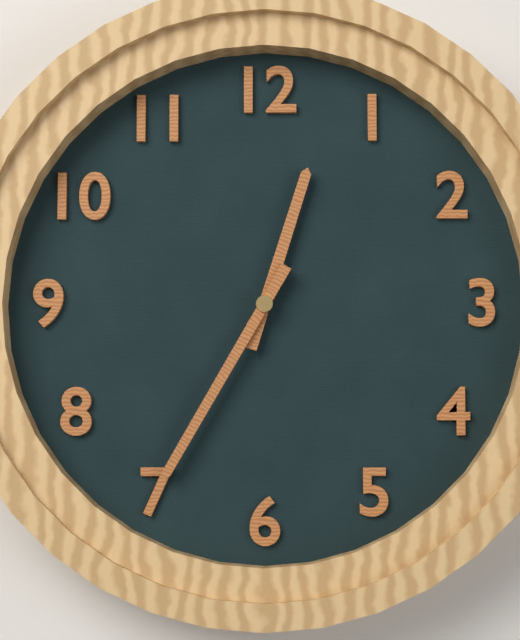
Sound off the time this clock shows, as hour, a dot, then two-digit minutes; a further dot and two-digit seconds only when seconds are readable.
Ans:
12.35
